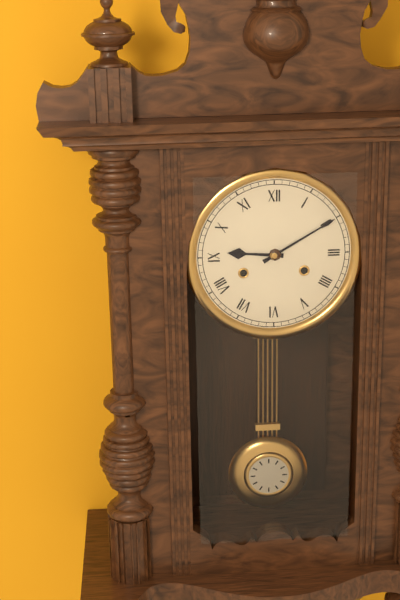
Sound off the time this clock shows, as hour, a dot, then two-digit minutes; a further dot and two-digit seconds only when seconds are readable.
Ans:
9.10
